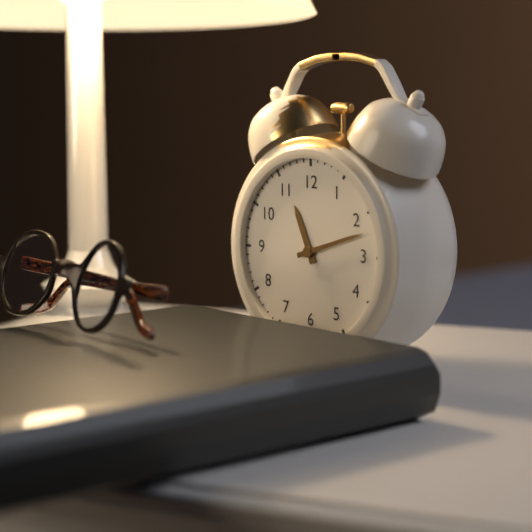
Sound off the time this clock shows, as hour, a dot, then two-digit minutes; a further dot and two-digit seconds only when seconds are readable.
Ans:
11.12
